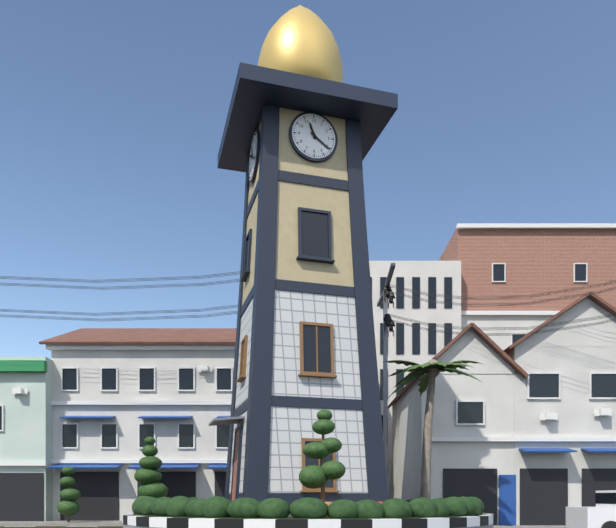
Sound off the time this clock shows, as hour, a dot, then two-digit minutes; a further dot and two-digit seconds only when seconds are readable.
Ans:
11.21
